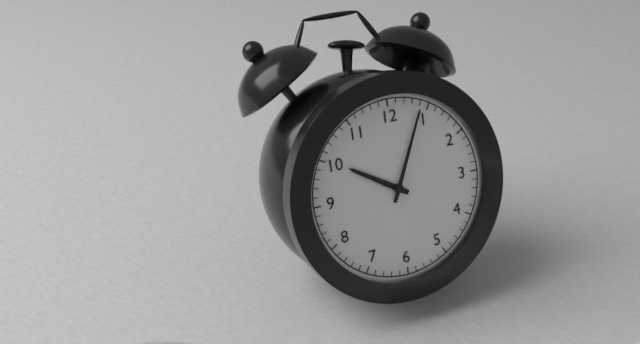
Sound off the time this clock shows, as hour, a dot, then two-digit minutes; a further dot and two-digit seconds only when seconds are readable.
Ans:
10.04
